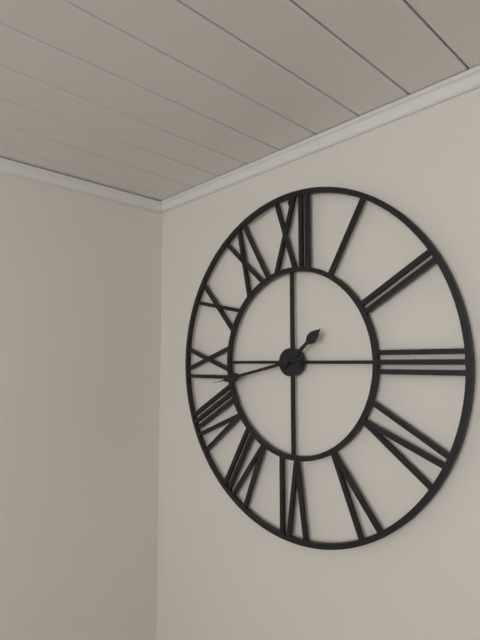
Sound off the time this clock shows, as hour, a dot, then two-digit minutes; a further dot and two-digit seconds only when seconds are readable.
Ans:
1.43
